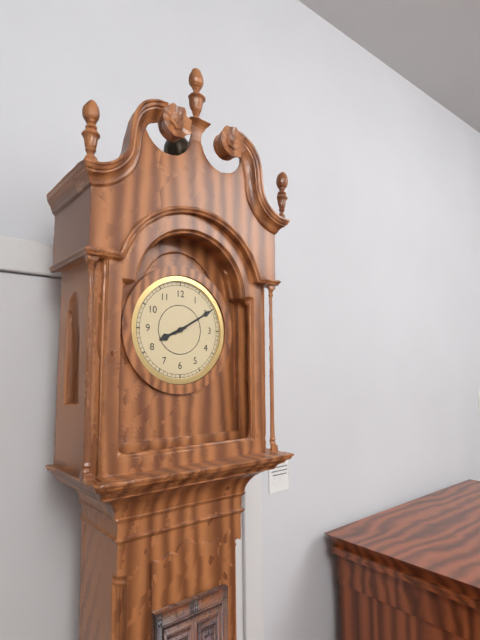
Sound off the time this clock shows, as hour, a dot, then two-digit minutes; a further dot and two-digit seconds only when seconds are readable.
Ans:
8.10
